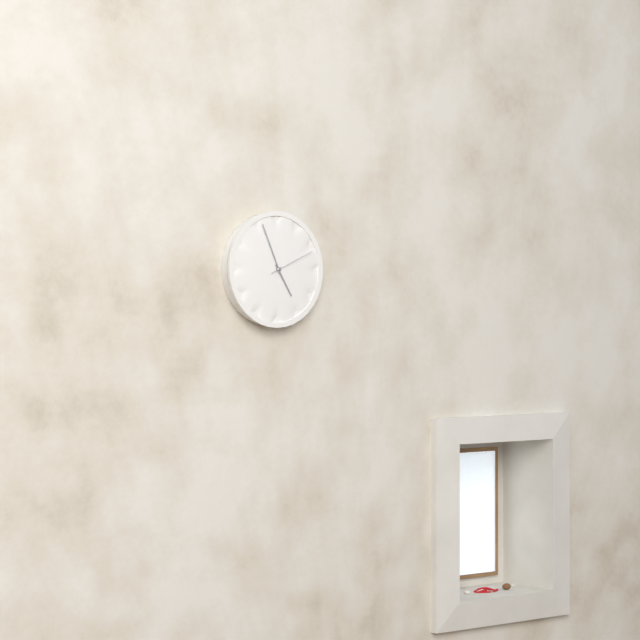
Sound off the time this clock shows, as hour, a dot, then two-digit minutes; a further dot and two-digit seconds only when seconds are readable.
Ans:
4.56
